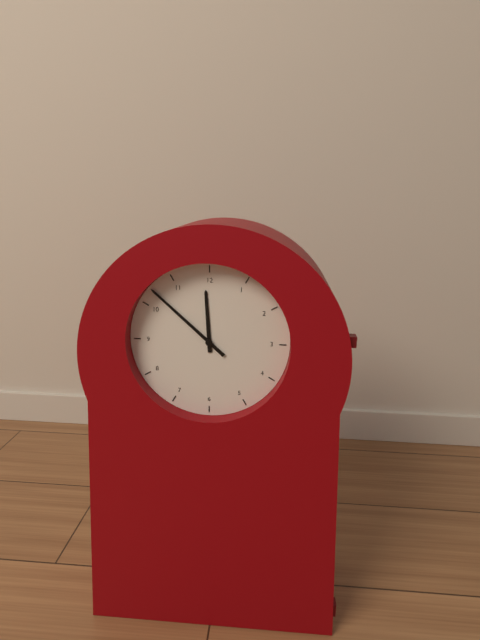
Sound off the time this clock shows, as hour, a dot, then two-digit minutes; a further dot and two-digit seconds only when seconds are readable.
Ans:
11.52
